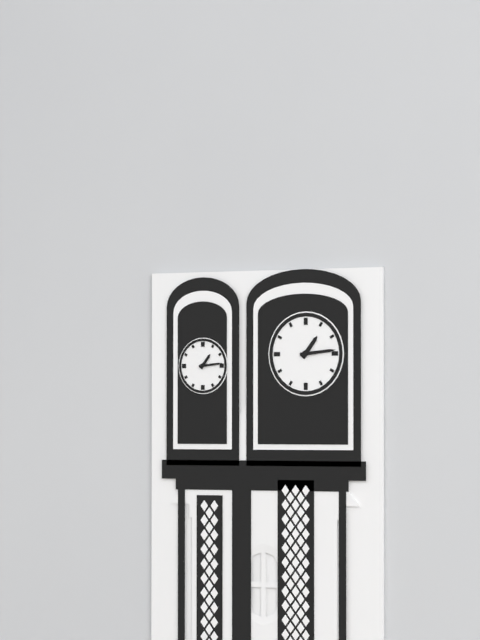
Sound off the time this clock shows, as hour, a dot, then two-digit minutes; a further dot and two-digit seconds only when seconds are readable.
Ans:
1.14
